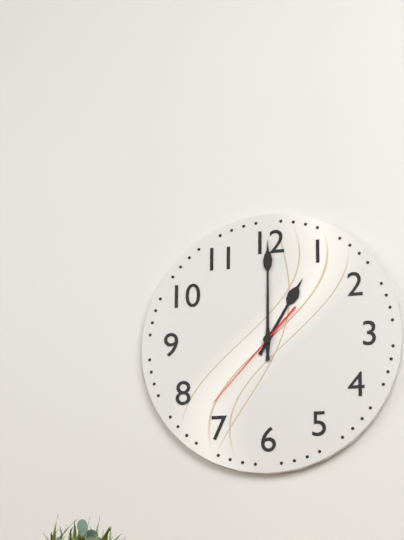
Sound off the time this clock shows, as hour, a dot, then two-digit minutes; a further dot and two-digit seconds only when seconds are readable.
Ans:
1.00.37
